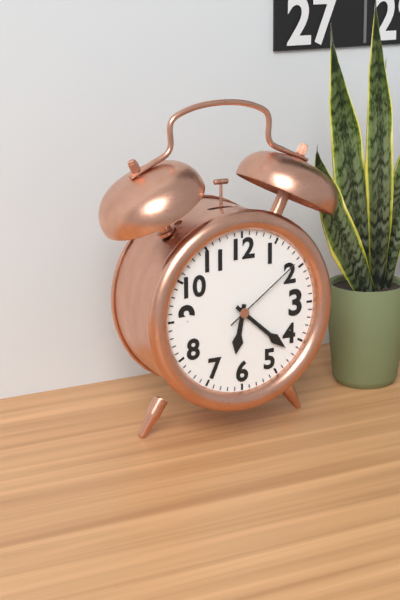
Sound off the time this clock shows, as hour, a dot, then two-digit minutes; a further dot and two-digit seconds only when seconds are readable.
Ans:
6.22.09
